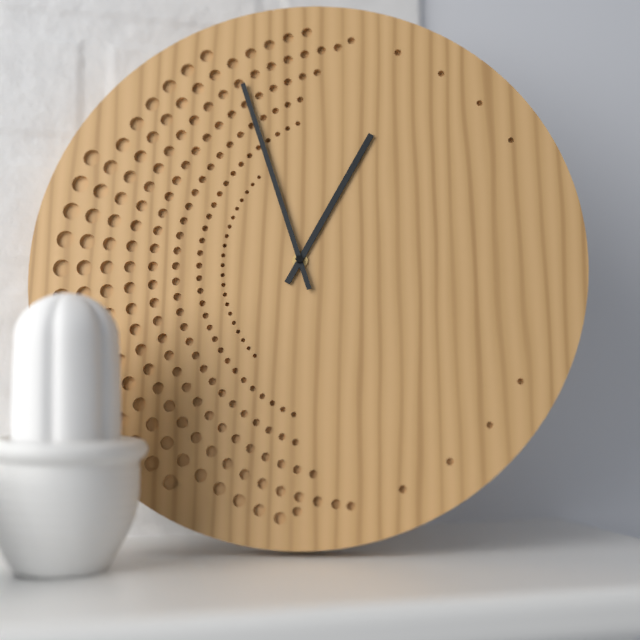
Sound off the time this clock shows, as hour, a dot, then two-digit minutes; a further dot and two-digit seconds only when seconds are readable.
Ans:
12.57
